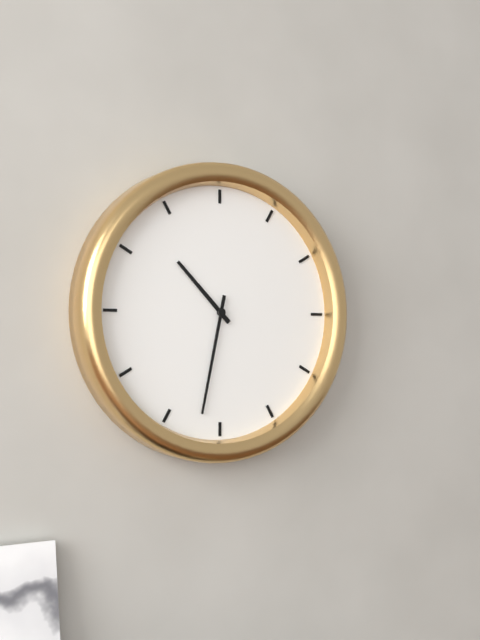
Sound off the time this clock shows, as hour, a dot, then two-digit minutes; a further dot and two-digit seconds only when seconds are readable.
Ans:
10.32
